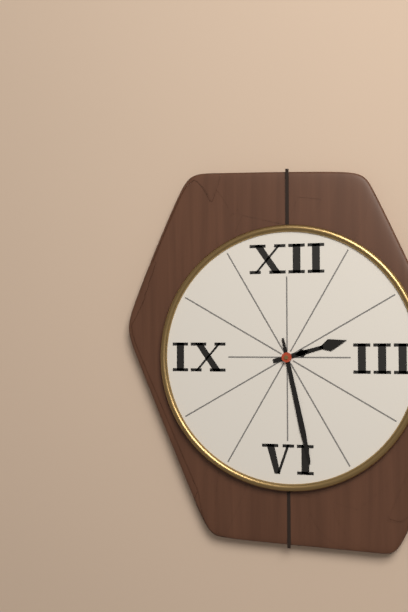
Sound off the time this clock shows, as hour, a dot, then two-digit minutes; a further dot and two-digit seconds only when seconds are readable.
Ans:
2.28
